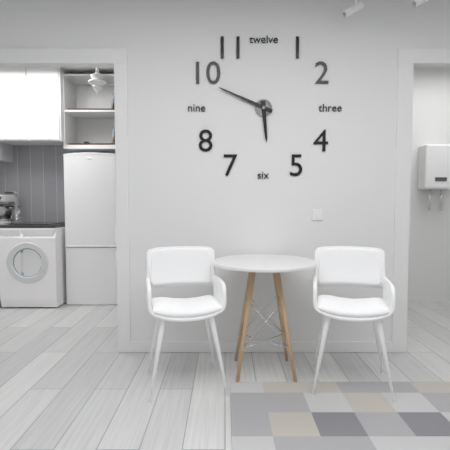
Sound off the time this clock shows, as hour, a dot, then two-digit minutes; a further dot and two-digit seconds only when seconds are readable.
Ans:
5.49
